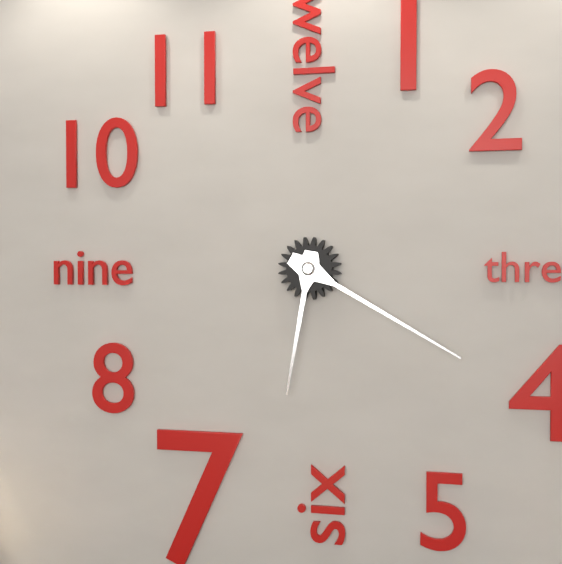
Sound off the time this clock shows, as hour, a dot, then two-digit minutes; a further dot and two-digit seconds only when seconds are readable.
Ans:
6.20
